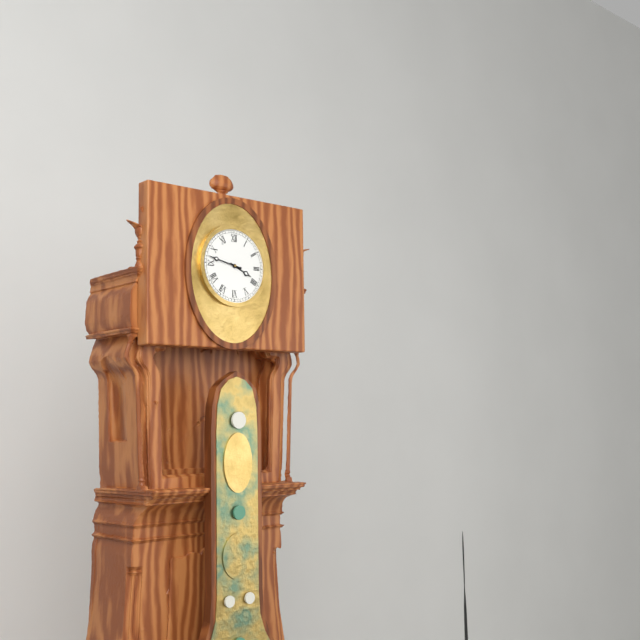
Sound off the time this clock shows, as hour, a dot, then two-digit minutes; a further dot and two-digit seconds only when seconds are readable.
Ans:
3.47
